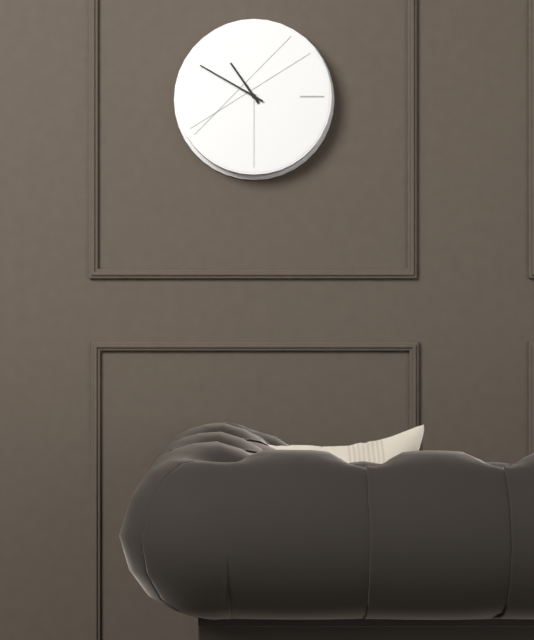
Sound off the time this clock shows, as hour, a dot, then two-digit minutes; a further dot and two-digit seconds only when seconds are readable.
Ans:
10.50
